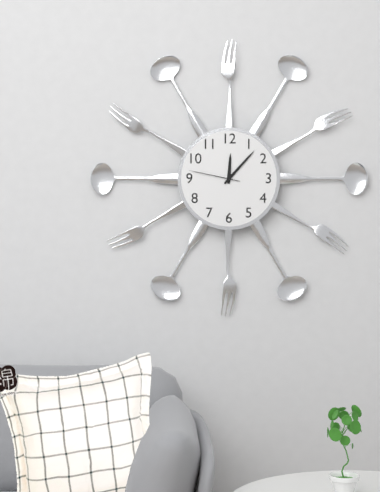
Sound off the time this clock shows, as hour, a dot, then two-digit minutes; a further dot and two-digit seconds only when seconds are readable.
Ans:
12.07.47
